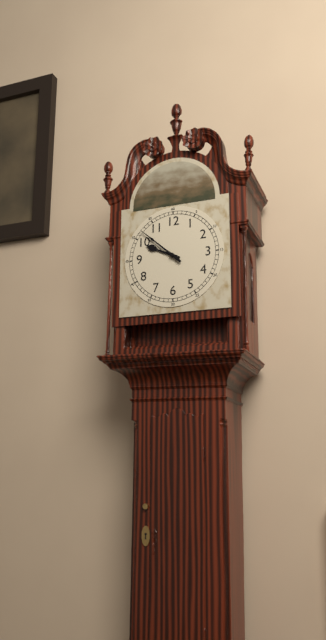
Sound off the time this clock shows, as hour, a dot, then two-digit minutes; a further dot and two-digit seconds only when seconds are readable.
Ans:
9.52
